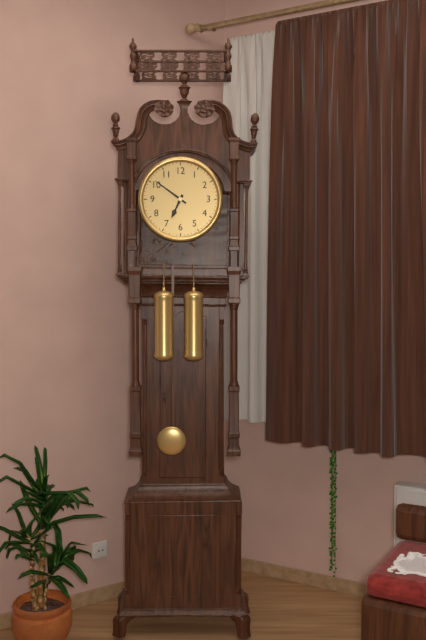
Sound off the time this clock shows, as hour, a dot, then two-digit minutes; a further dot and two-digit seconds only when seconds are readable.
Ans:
6.51
